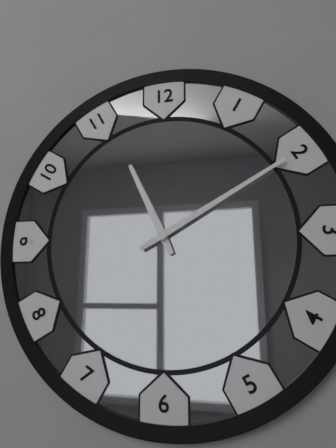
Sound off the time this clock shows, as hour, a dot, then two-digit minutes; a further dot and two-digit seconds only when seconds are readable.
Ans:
11.10
